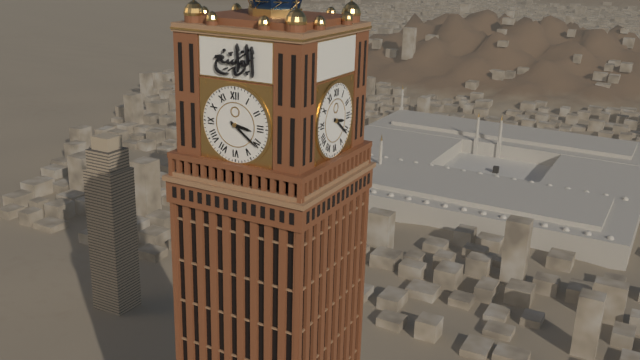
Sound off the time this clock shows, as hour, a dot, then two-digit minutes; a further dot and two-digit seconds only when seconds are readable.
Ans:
3.21
